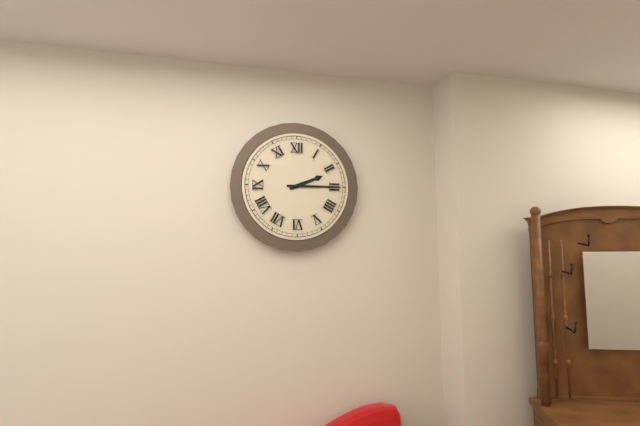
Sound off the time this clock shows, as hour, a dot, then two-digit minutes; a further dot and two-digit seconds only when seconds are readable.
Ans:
2.15
